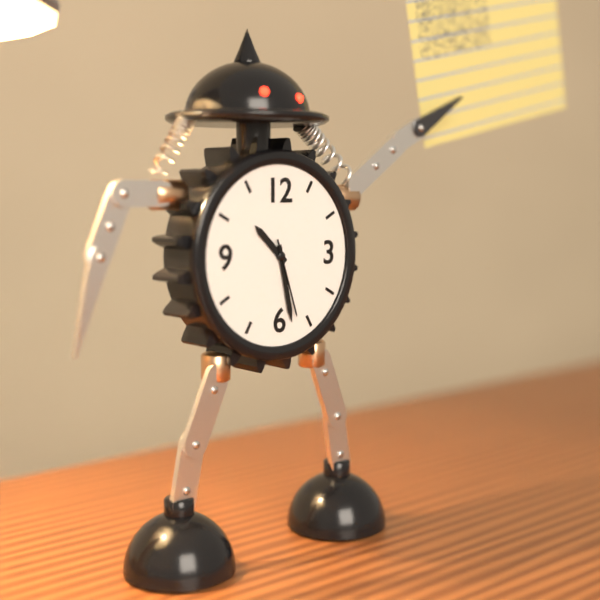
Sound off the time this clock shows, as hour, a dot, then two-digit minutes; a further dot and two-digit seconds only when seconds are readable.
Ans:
10.28.27
